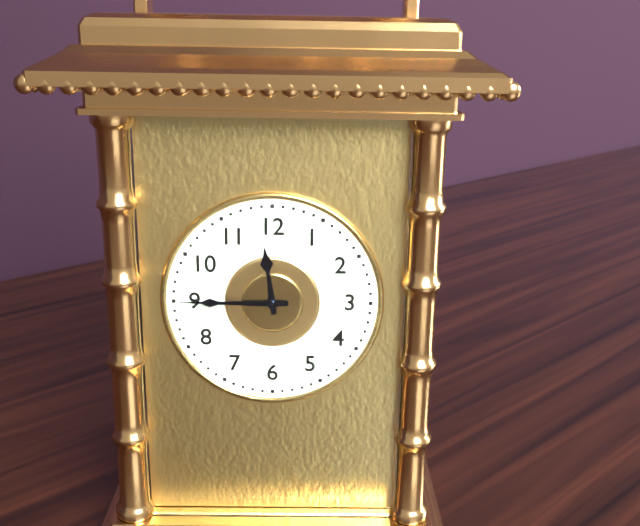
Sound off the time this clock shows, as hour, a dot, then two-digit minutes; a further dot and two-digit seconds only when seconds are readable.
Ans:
11.45
